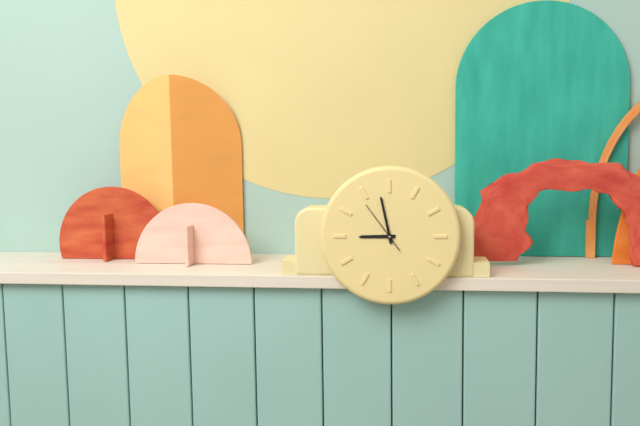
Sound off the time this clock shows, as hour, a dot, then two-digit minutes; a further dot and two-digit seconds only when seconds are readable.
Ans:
8.58
